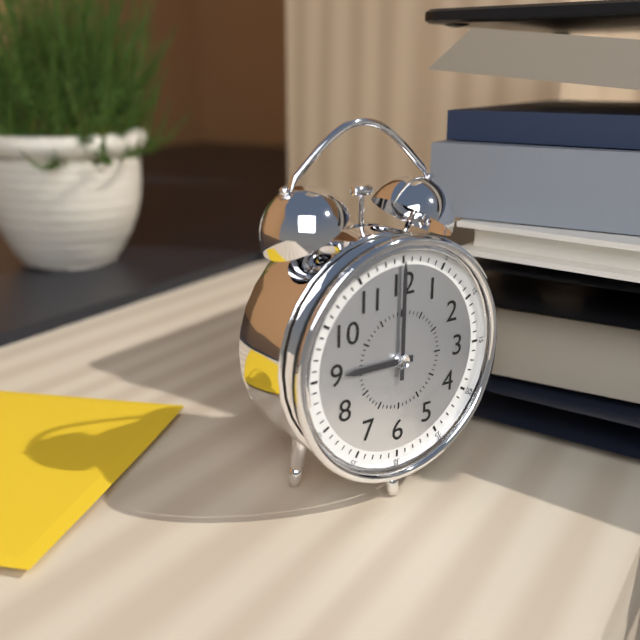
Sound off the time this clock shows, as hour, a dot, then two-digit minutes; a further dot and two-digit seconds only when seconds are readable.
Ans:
9.00
